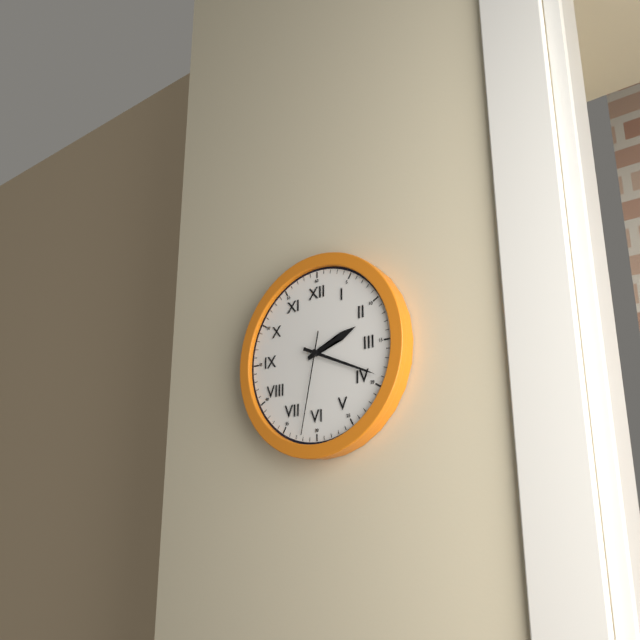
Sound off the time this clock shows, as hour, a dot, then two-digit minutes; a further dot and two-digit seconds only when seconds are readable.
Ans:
2.19.32
